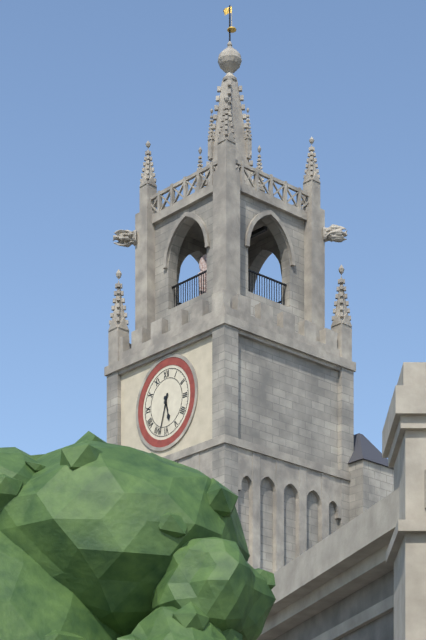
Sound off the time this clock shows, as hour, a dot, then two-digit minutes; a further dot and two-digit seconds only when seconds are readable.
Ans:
5.33
